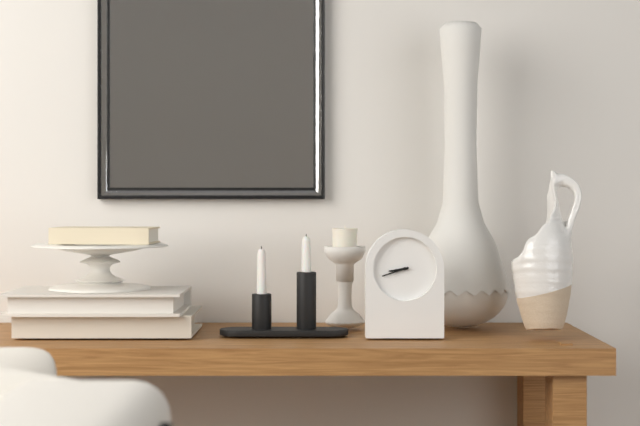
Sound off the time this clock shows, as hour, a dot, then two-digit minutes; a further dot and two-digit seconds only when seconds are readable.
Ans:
8.42
